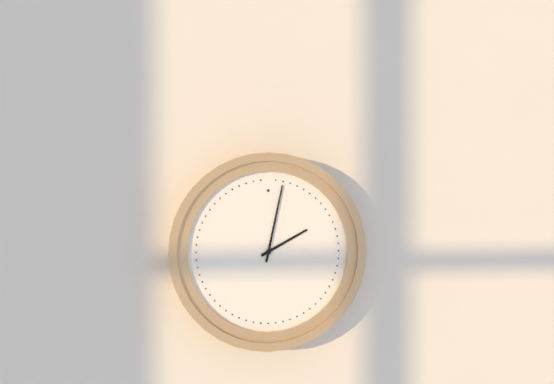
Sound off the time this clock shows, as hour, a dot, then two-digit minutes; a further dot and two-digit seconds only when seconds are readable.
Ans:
2.02
